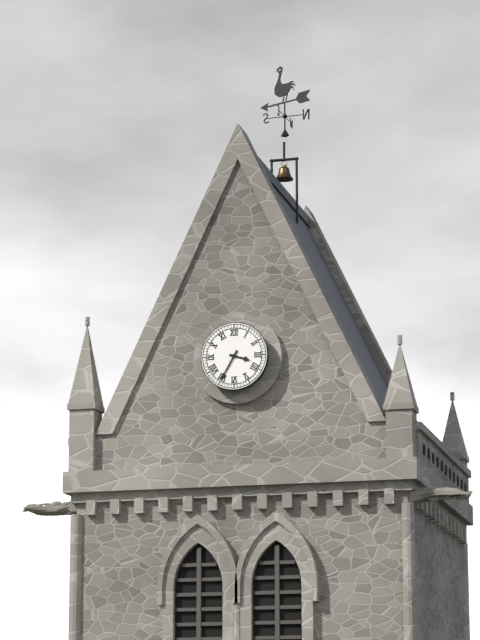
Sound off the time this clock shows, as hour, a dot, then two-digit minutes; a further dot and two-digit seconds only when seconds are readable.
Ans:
3.35
